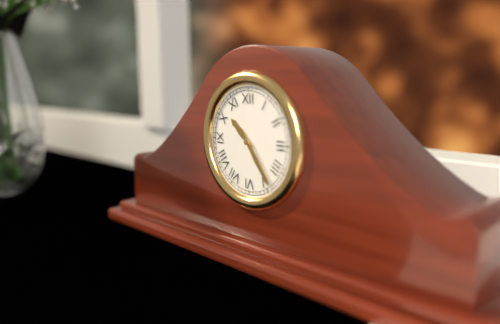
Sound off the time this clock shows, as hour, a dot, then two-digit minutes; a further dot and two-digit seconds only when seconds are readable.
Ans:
10.24
